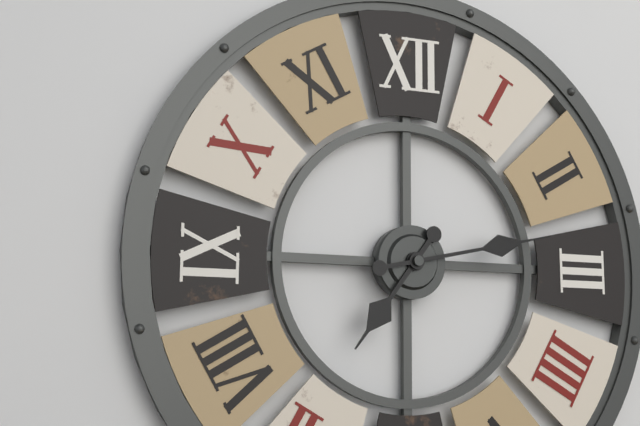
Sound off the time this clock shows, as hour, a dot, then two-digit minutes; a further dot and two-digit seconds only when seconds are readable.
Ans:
7.13
